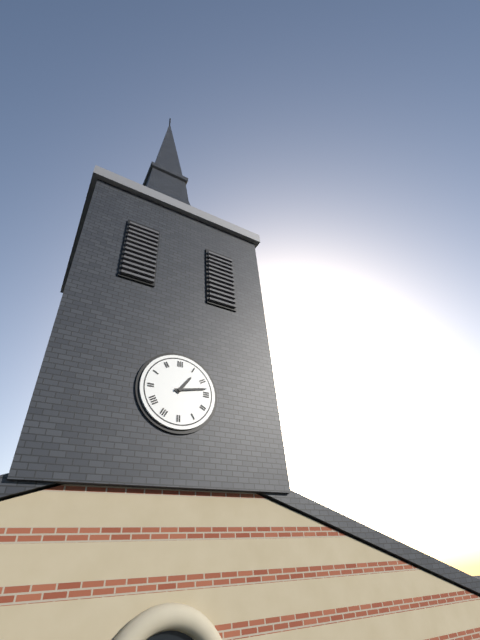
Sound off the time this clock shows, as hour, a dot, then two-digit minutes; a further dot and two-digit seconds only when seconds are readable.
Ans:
1.13
